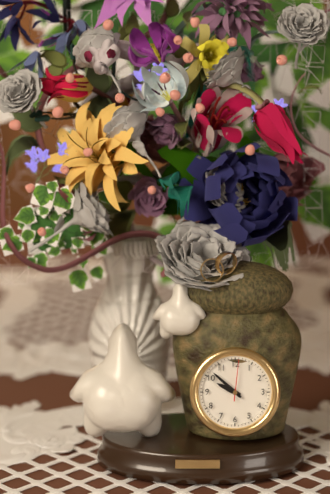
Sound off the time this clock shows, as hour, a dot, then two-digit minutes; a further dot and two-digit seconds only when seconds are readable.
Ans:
9.52
